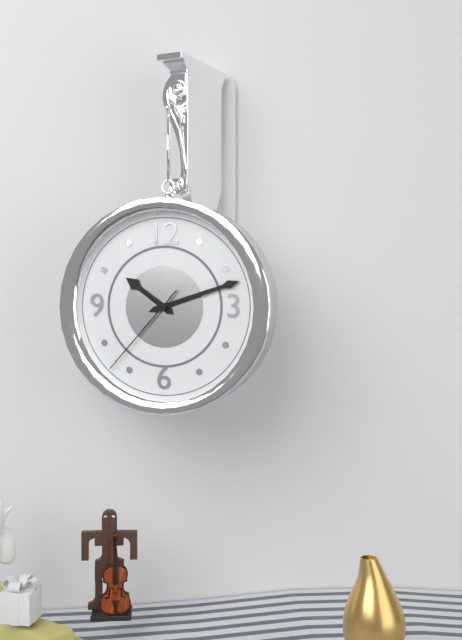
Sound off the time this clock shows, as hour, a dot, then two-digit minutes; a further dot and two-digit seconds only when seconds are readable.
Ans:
10.12.37
